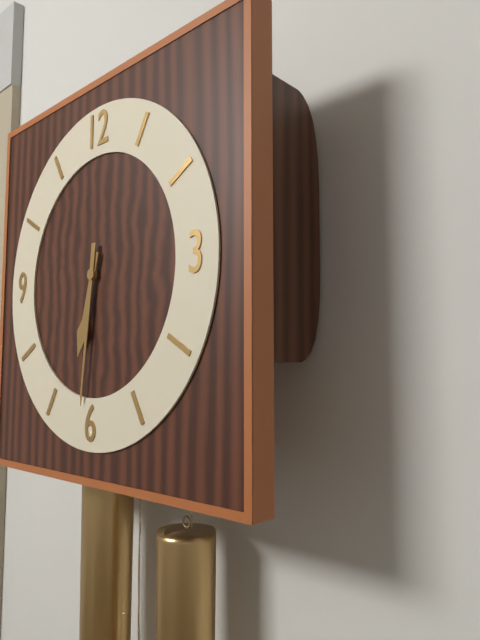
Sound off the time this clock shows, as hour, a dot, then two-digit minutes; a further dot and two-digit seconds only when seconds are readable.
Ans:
6.31
